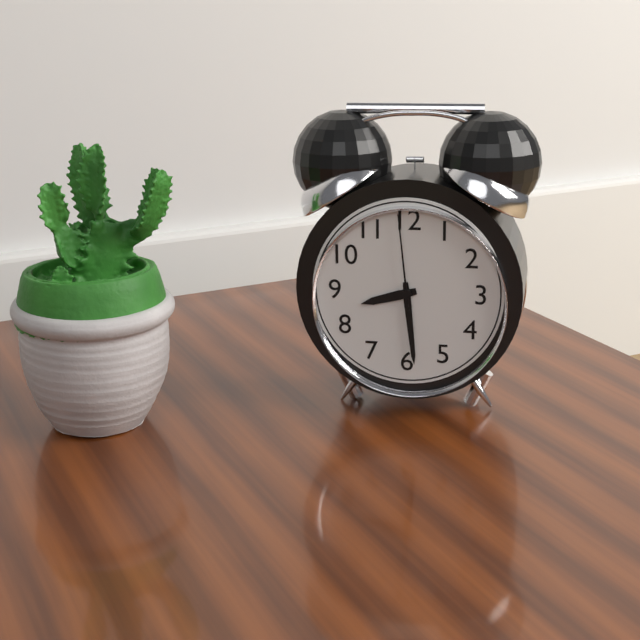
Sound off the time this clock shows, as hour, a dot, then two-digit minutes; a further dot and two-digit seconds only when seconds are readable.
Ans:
8.29.59
